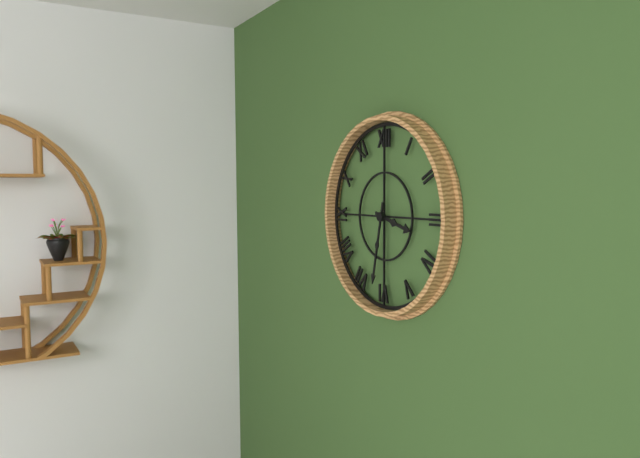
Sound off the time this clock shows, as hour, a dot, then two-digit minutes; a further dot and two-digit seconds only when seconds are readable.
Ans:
3.32
